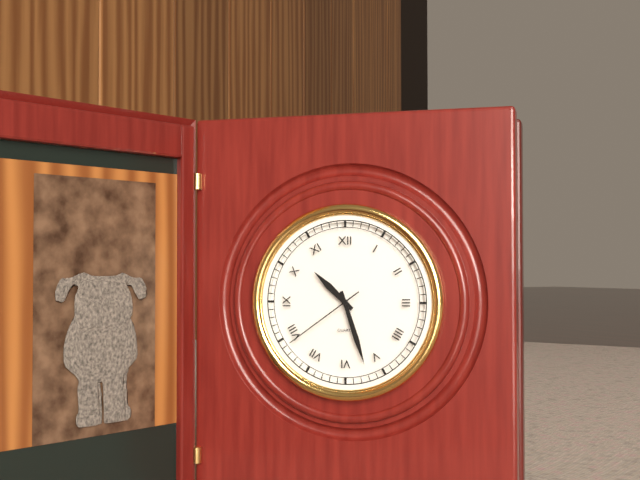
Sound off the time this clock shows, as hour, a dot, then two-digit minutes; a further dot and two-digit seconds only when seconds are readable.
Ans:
10.27.39
